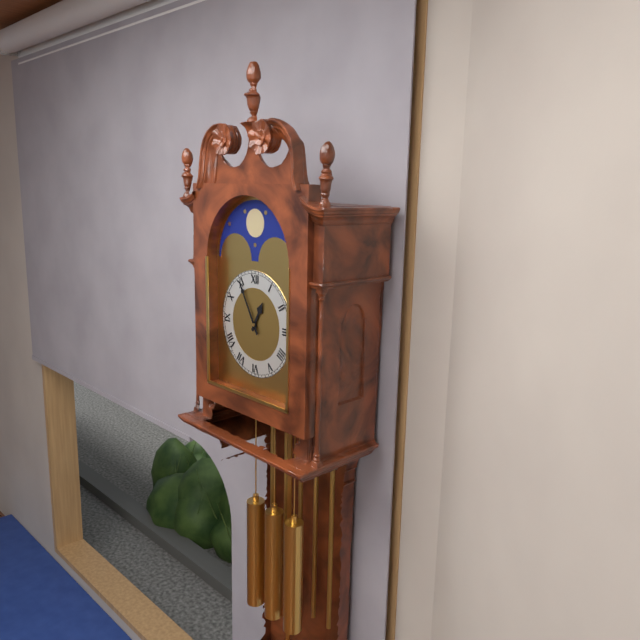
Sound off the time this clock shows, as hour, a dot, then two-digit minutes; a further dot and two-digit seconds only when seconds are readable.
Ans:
12.55
